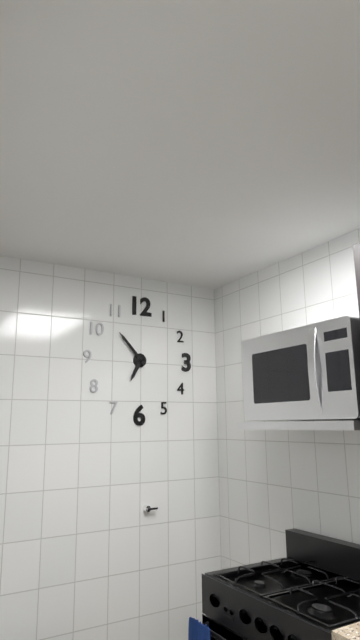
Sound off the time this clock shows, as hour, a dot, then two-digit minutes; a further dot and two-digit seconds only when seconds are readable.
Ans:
6.53
